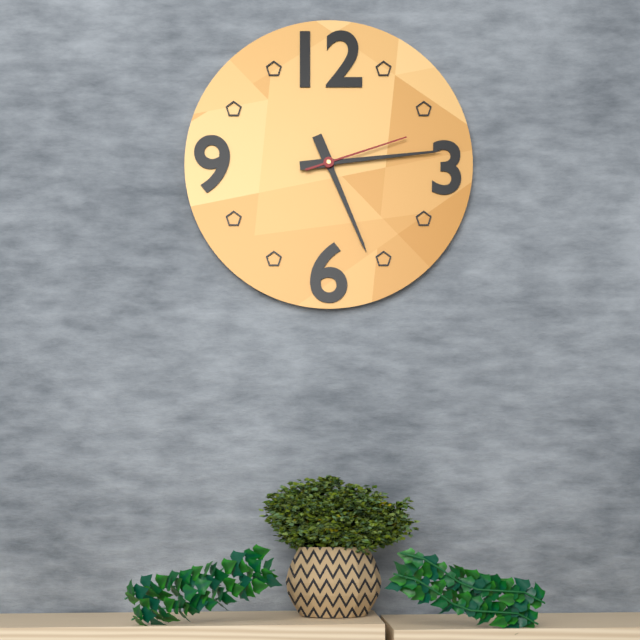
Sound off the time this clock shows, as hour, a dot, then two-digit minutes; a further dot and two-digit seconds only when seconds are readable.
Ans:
5.14.12
